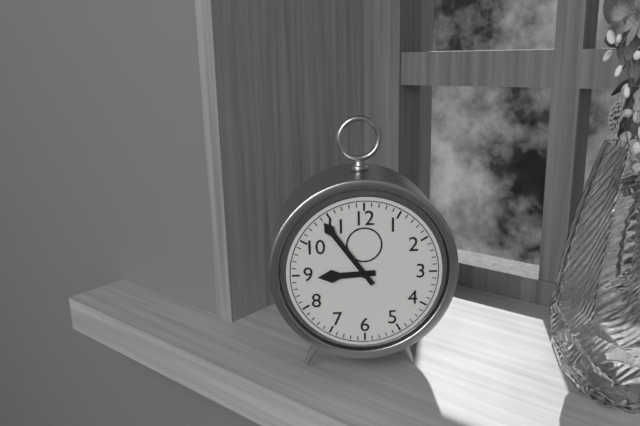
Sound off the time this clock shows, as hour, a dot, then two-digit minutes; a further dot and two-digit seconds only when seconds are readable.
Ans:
8.54
